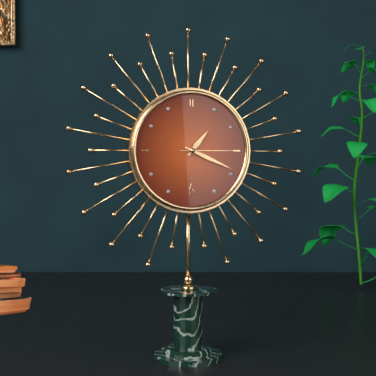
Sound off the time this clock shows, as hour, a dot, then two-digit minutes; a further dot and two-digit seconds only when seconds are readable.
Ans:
1.19.15
